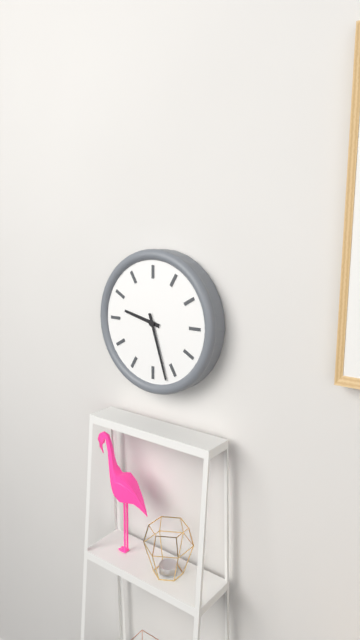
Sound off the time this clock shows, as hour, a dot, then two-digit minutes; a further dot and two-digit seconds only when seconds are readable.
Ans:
9.27
